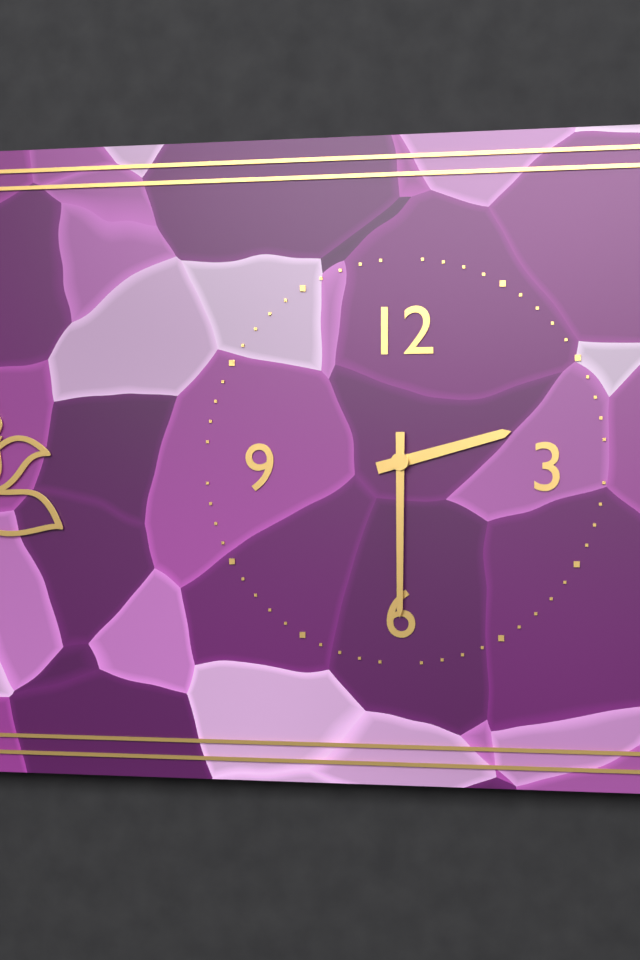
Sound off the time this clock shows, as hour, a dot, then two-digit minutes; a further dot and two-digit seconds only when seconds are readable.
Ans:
2.30
